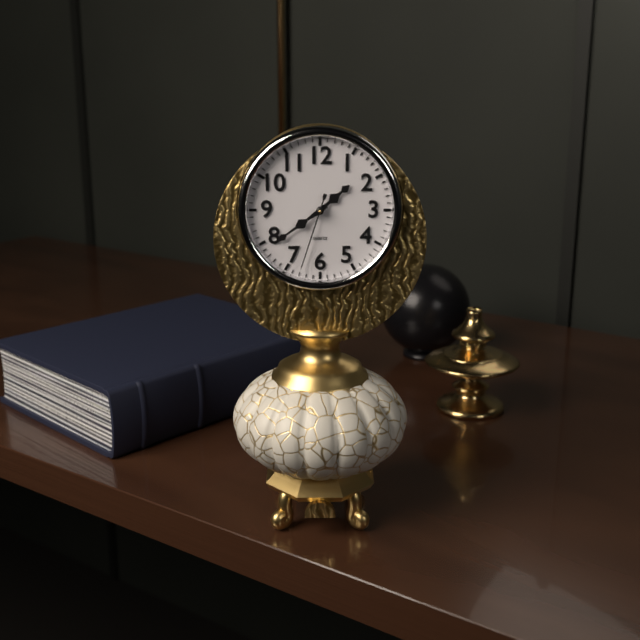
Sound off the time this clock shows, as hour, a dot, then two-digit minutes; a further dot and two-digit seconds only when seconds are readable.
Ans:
1.39.33
